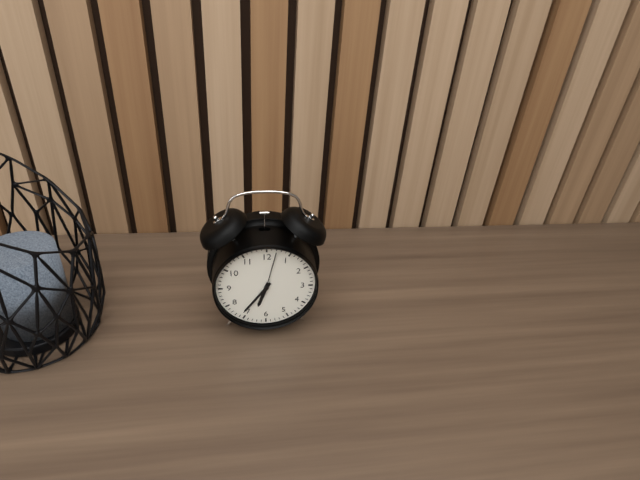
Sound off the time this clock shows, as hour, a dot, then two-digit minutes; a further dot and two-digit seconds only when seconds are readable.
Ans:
6.36
